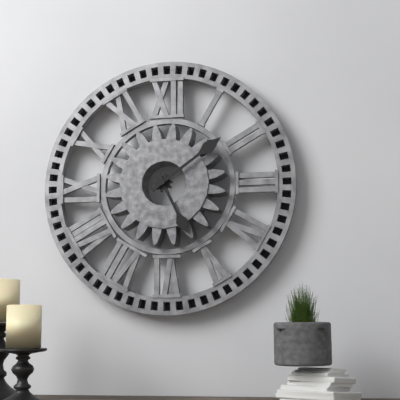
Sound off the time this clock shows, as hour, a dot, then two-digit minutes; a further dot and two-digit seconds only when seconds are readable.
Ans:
5.09
